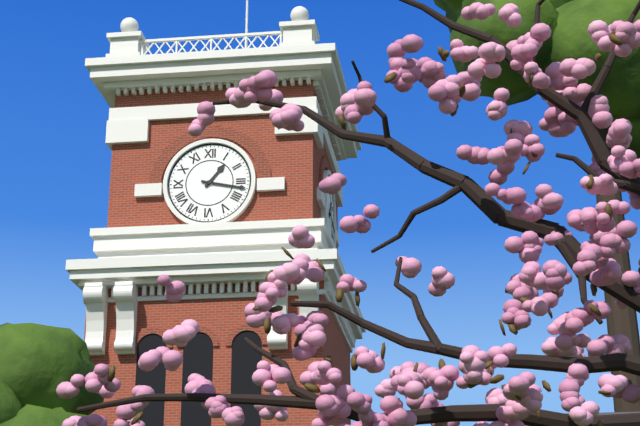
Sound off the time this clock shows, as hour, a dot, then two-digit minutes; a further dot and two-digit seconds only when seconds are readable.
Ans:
1.17
